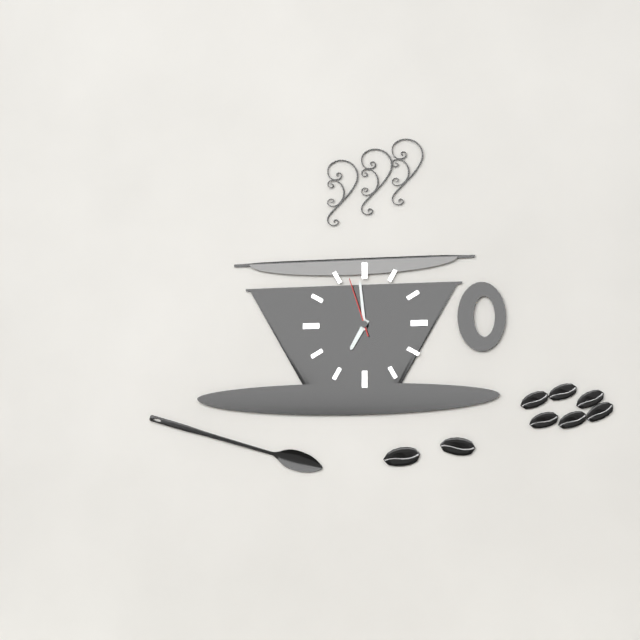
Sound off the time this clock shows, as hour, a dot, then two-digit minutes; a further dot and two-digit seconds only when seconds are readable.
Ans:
6.59.57
